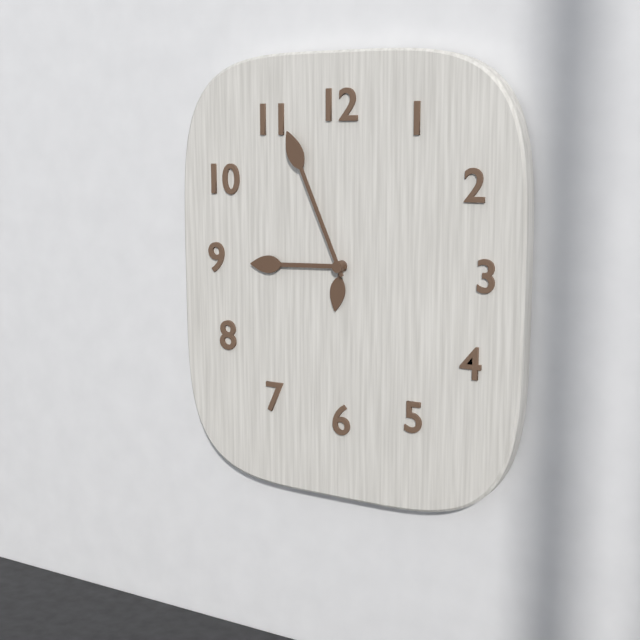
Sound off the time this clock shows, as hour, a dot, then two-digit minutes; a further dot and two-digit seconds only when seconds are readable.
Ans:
8.56
